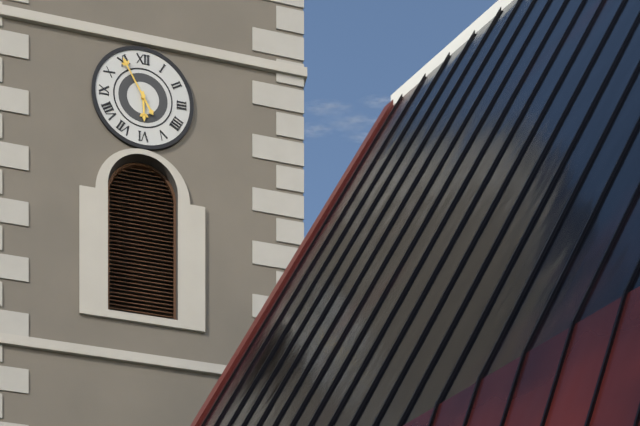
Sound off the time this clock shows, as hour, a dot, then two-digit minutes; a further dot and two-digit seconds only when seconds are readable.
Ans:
5.55
